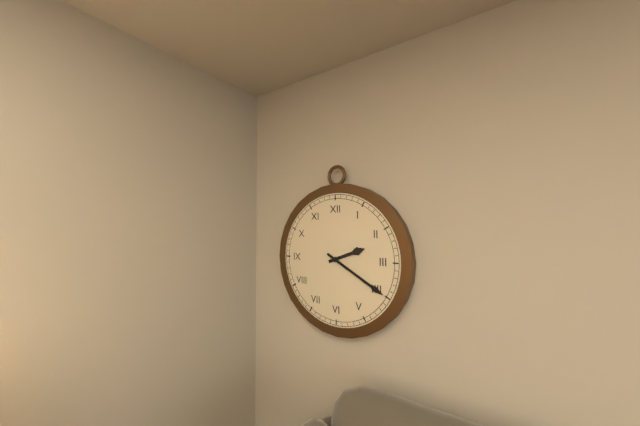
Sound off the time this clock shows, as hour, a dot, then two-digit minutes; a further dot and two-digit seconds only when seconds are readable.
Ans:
2.20
